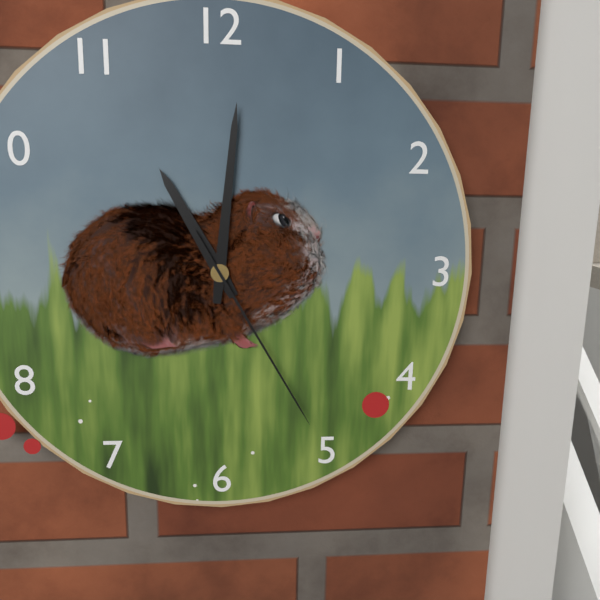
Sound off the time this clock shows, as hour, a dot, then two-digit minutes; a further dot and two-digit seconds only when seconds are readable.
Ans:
11.01.25
